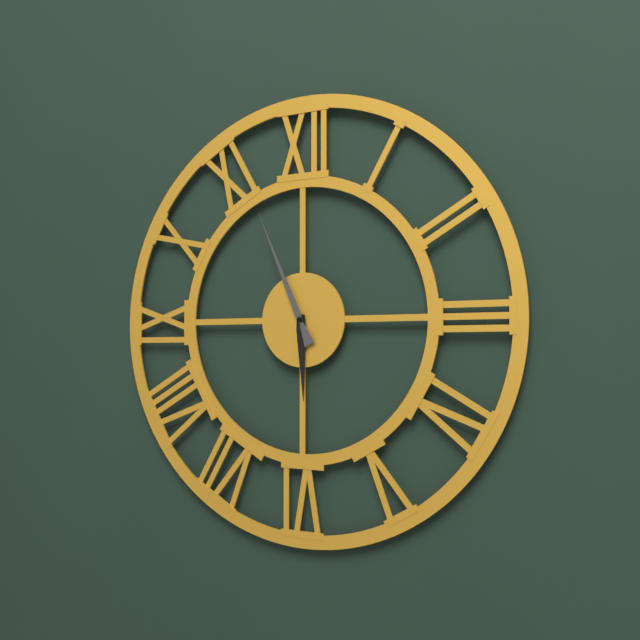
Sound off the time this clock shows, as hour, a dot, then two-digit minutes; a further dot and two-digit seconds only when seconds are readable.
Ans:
5.56
